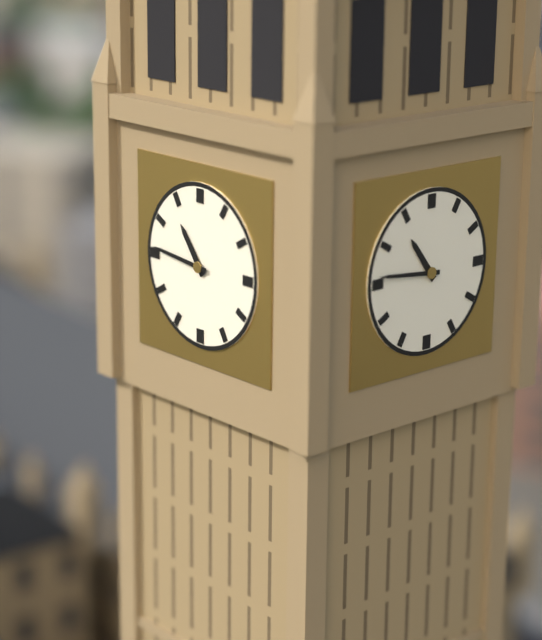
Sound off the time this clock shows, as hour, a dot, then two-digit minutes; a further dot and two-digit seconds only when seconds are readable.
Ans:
10.46
